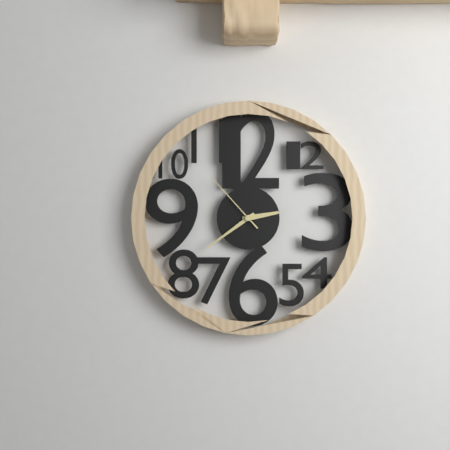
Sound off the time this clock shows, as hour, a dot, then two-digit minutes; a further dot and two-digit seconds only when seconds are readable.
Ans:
2.39.53
